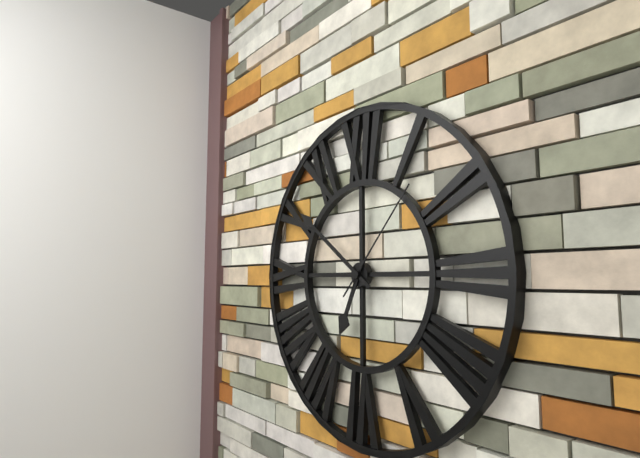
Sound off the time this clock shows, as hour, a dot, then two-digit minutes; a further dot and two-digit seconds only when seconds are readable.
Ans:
6.51.07
